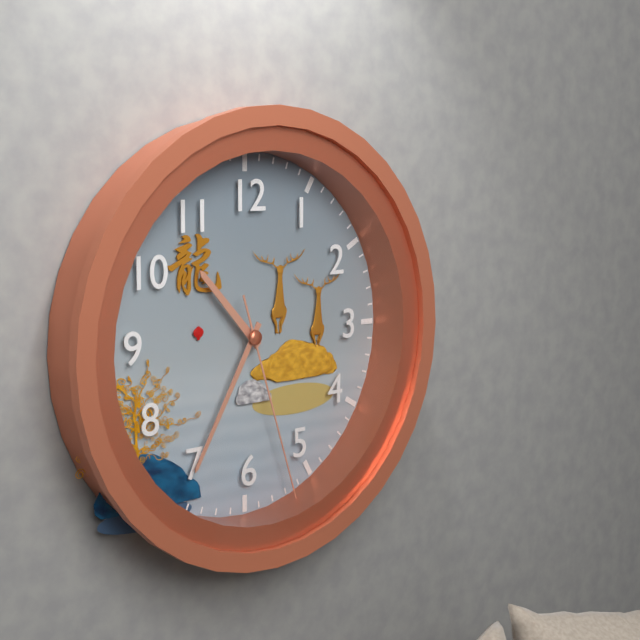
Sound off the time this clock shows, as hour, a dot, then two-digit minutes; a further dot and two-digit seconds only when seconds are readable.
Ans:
10.35.27
